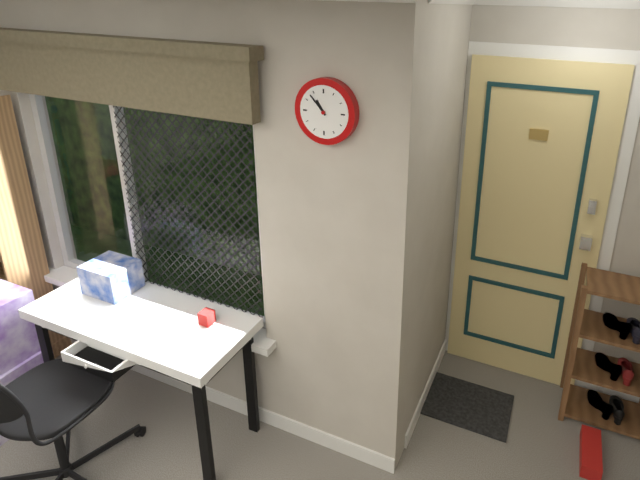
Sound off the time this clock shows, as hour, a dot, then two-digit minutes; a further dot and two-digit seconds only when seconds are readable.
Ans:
10.53
